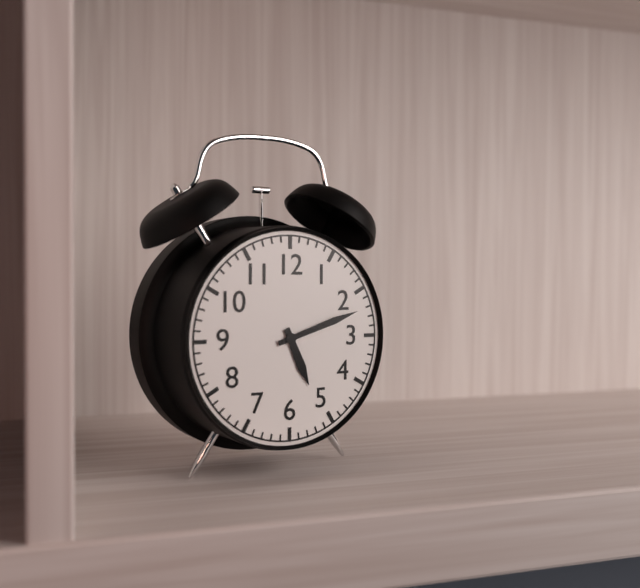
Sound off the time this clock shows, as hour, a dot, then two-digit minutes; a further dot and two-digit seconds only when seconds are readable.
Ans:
5.12
